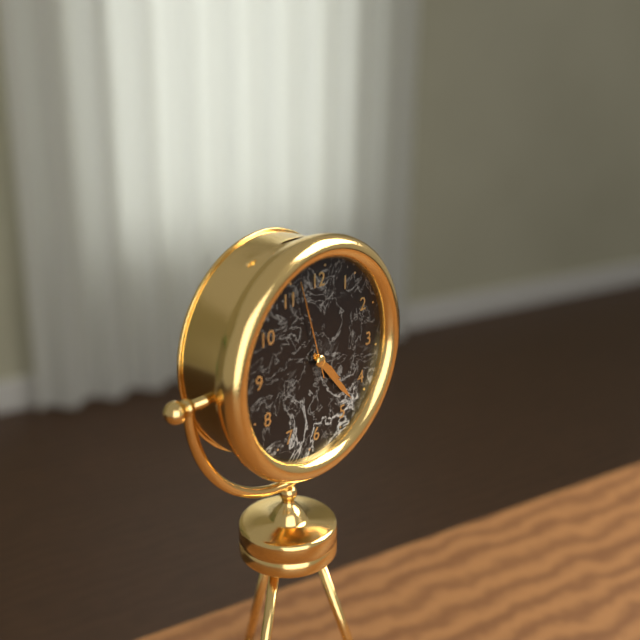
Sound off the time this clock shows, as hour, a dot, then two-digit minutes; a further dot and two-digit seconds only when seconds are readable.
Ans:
4.23.57
